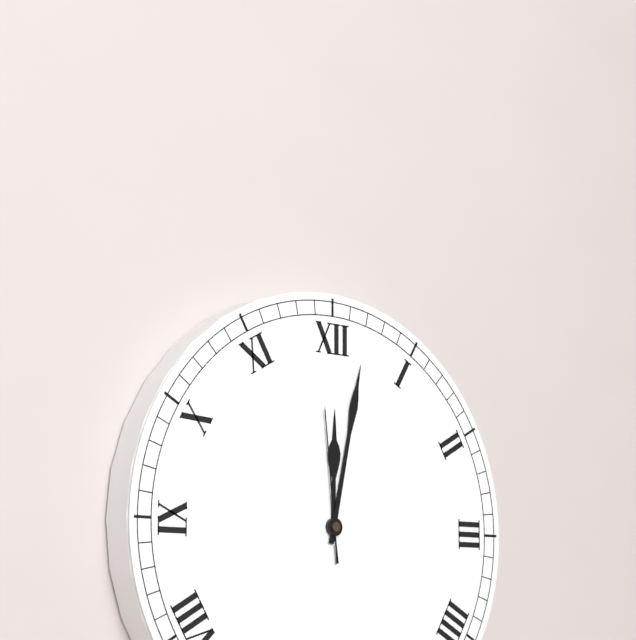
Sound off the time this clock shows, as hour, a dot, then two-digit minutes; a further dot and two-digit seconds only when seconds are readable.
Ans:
12.02.59
